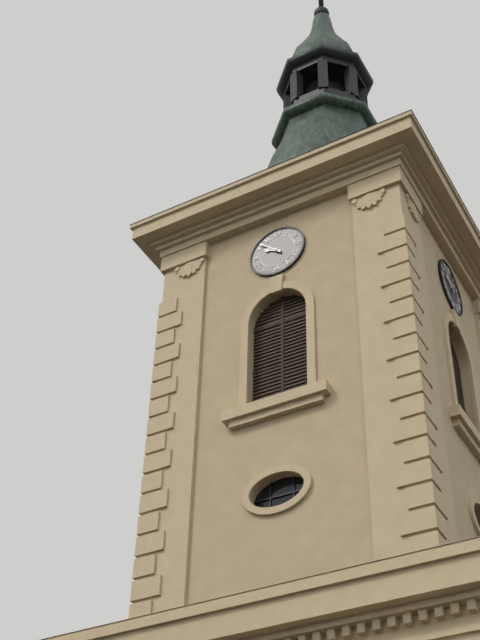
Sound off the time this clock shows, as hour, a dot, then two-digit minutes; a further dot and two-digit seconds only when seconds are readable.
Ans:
9.52
